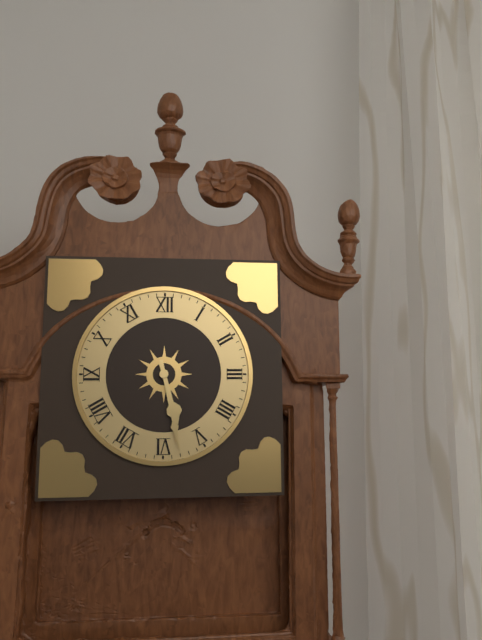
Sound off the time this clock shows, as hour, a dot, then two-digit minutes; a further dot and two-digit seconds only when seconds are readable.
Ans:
5.28
